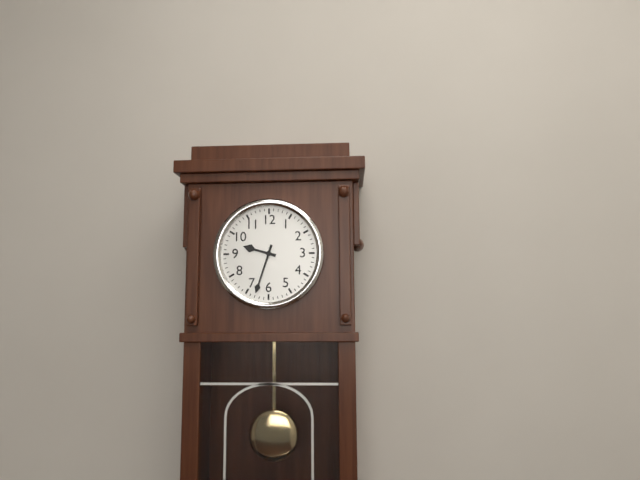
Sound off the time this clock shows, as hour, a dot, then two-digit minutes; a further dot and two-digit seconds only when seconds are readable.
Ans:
9.33
